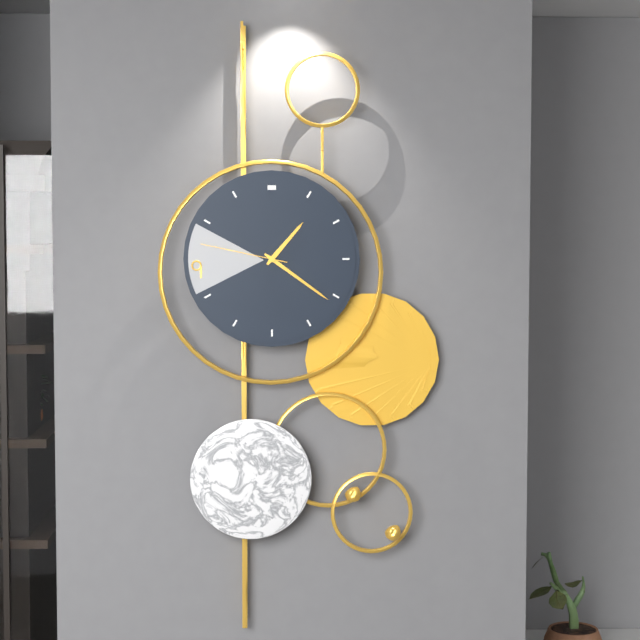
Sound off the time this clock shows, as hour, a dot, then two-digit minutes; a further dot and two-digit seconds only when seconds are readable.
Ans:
1.21.47
